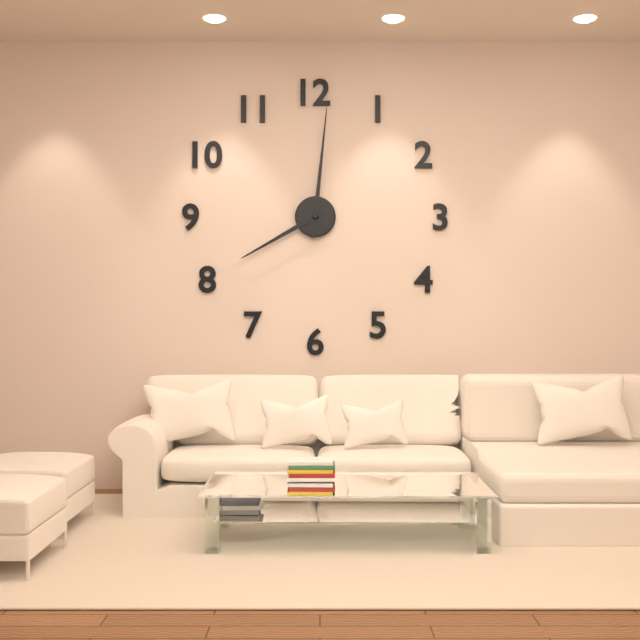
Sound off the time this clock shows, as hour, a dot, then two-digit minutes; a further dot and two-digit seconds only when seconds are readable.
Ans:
8.01
